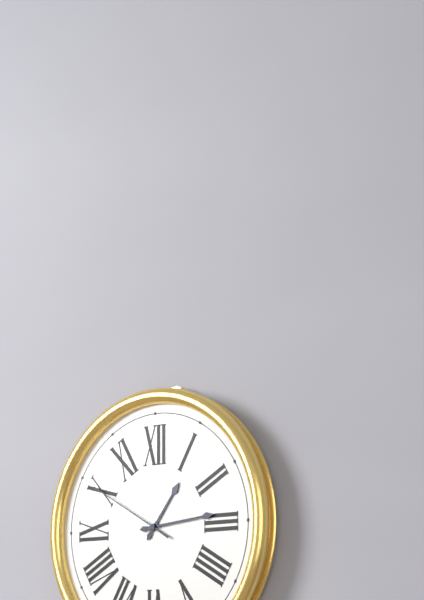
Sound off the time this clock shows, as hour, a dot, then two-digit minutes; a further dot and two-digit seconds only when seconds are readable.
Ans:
1.14.50
